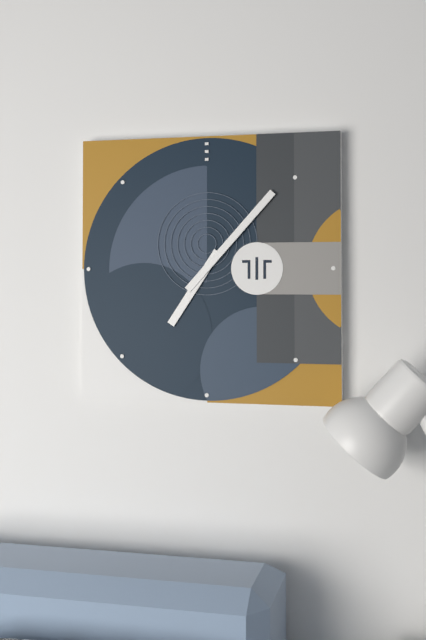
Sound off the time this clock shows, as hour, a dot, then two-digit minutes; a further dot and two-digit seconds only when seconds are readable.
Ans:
7.07
